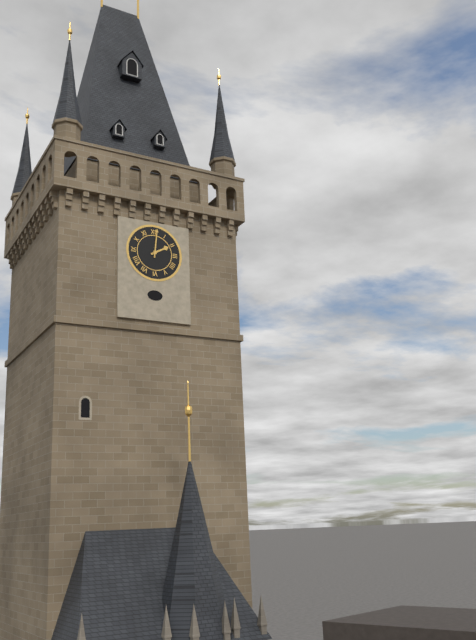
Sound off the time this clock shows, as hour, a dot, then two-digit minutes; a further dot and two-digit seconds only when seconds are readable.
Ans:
2.01
